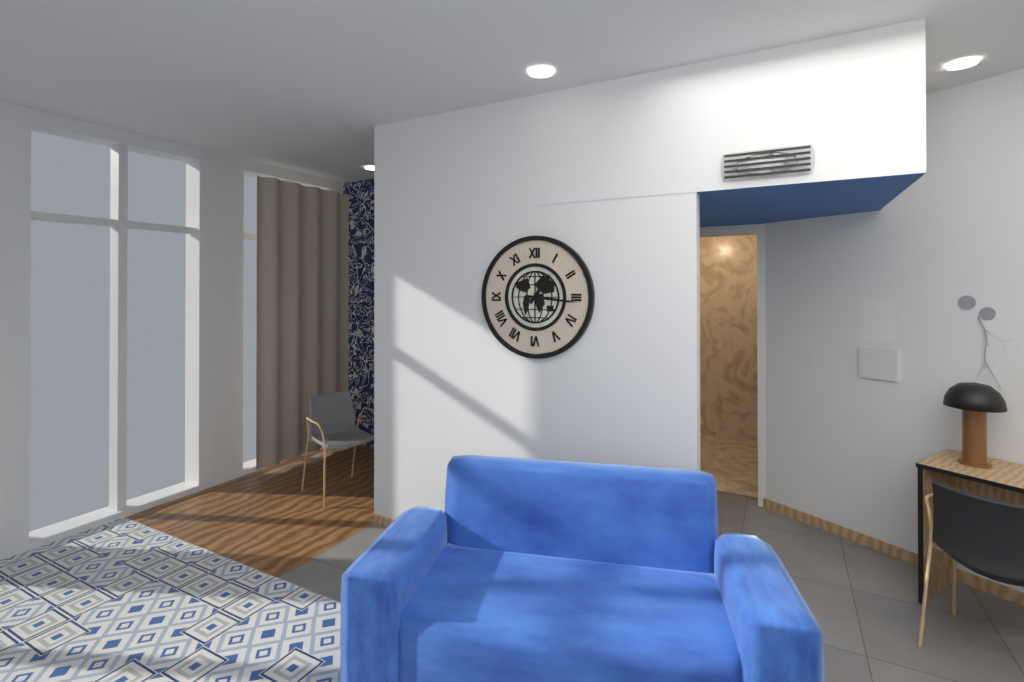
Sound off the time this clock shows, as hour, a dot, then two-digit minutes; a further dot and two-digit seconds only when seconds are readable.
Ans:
1.16
